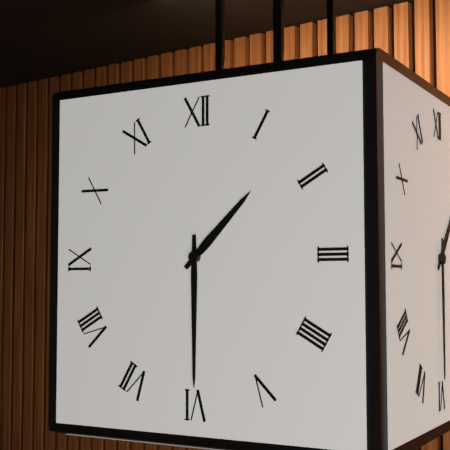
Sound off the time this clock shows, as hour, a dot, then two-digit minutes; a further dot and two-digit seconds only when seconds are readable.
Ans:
1.30
